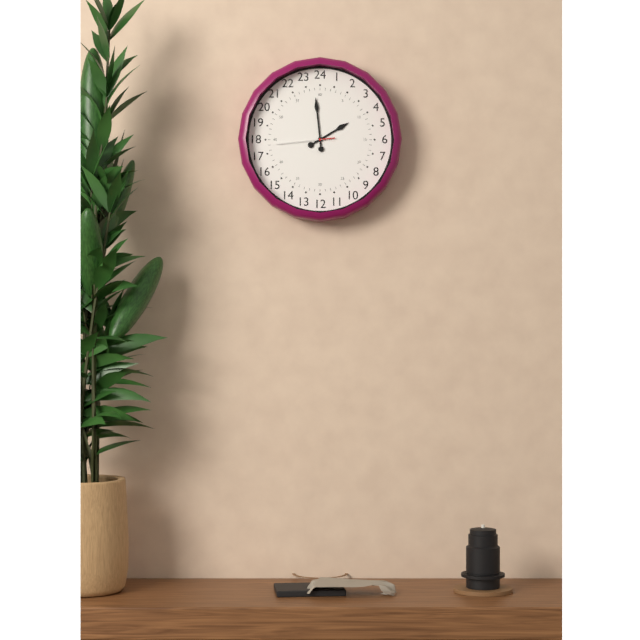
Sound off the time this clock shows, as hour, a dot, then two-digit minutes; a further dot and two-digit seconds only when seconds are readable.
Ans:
1.59.44
